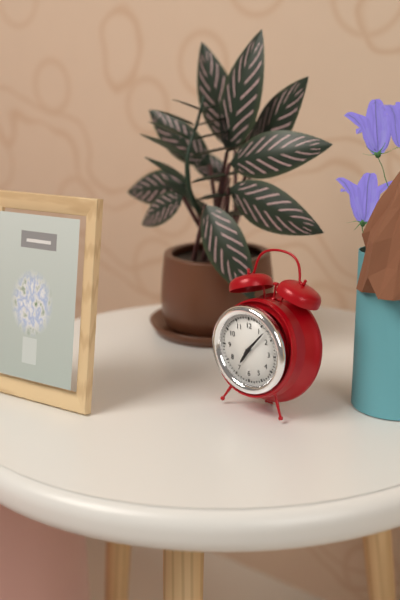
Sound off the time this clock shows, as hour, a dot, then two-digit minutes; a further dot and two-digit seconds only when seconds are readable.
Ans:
7.07
